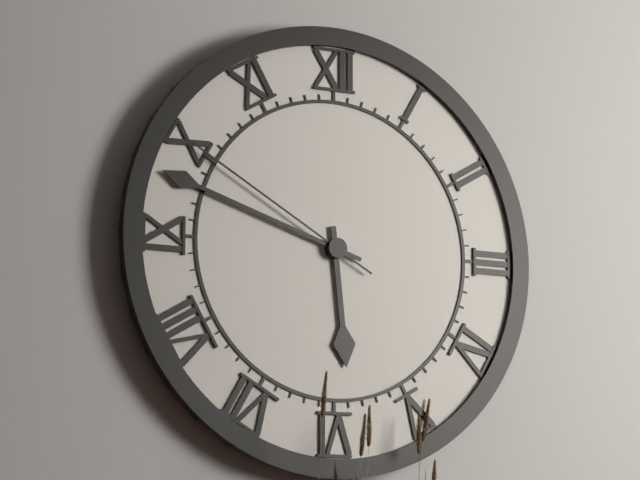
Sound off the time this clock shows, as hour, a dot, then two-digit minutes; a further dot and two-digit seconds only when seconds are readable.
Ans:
5.48.50
